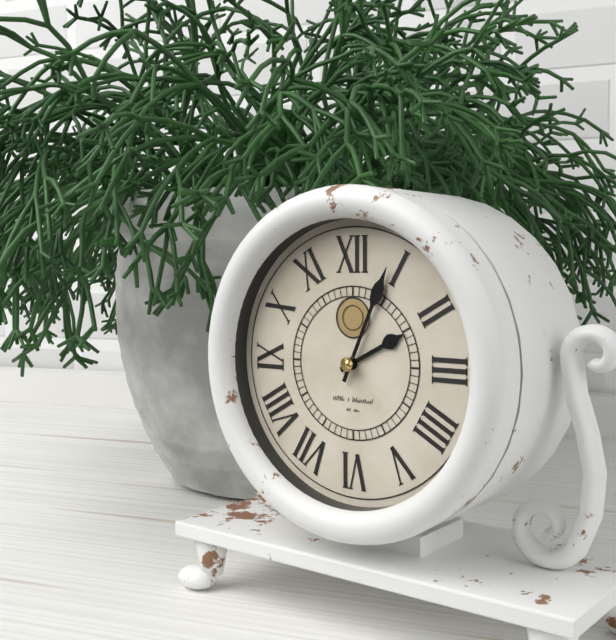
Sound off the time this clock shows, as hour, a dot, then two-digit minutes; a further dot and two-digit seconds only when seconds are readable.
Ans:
2.04
